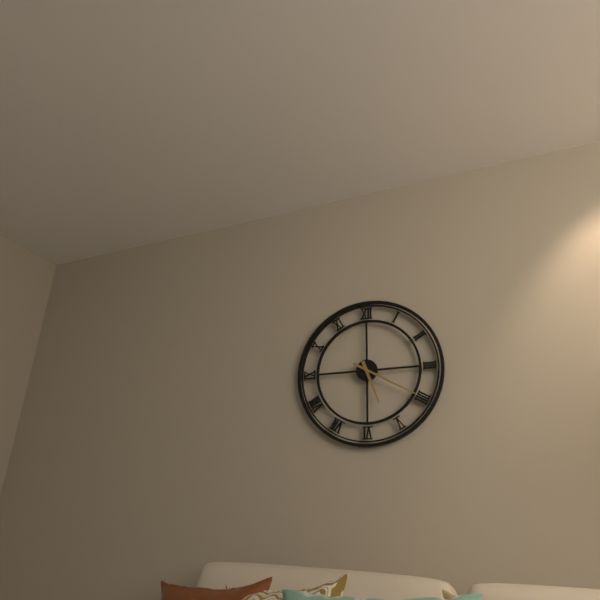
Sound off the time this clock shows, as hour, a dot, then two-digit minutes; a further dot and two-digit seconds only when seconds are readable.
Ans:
5.20
